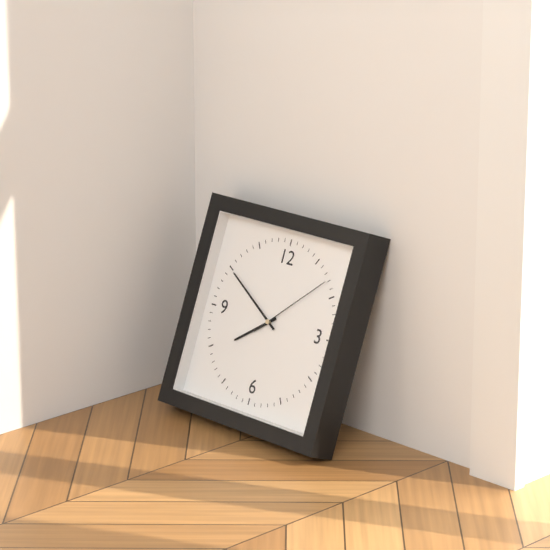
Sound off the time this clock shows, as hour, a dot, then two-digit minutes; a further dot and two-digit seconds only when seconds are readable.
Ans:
7.50.08
